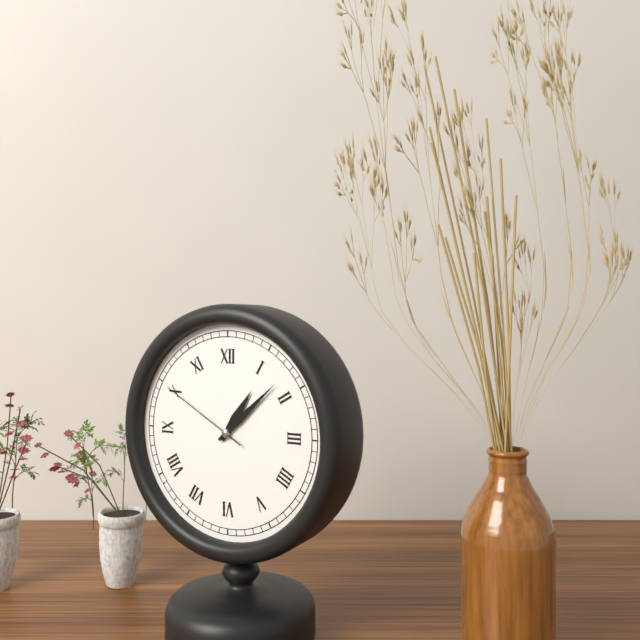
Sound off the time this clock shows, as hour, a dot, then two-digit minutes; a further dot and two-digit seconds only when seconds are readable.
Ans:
1.08.50
